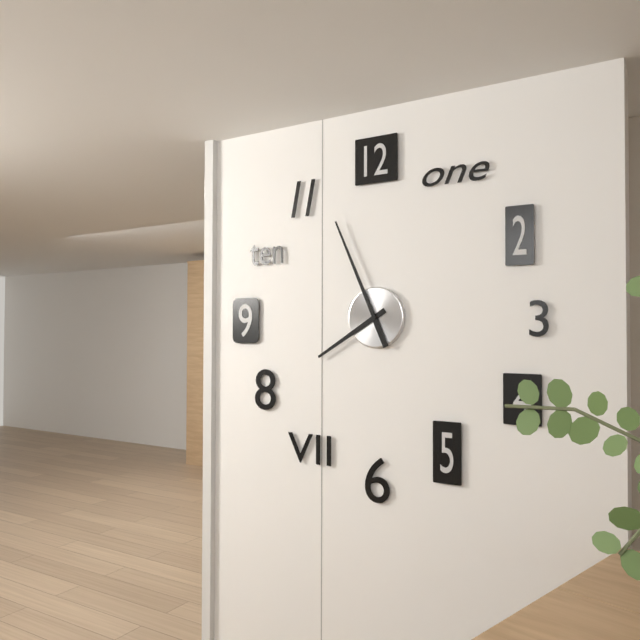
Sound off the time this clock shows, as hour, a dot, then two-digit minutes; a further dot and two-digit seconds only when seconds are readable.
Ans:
7.56
